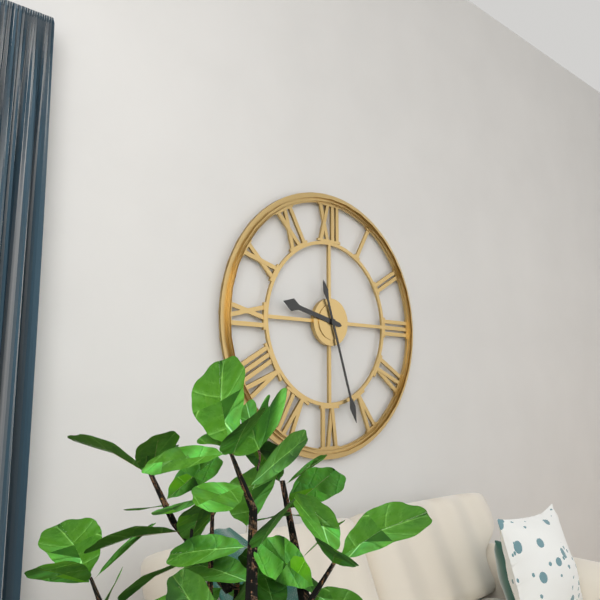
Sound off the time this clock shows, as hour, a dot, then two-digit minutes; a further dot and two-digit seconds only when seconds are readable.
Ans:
9.27
